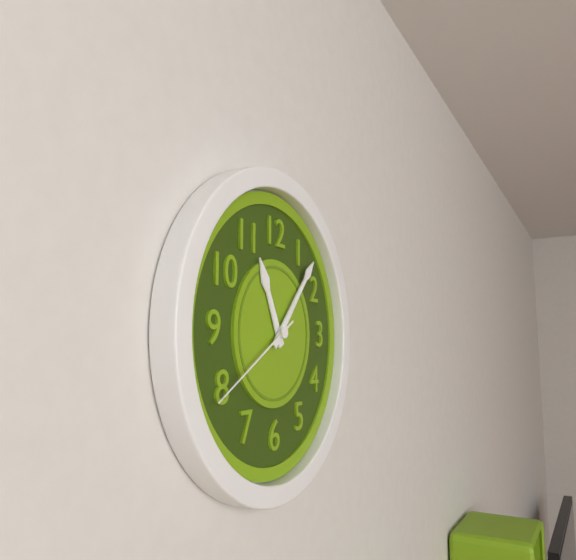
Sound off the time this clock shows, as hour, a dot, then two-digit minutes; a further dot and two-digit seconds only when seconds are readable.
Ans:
11.07.40
